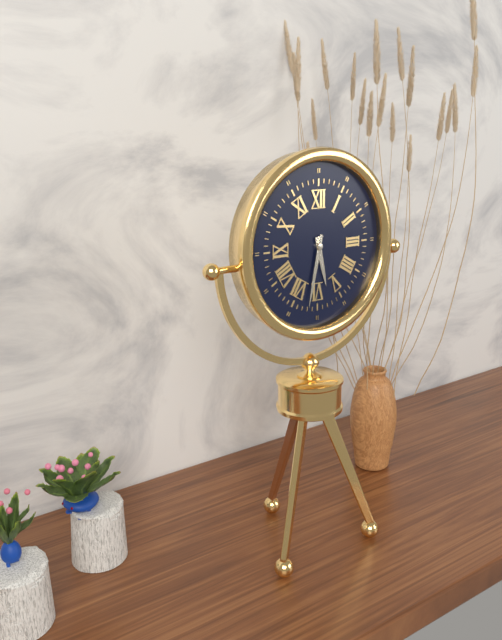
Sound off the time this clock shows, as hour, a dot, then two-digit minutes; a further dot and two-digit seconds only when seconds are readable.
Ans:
5.32
